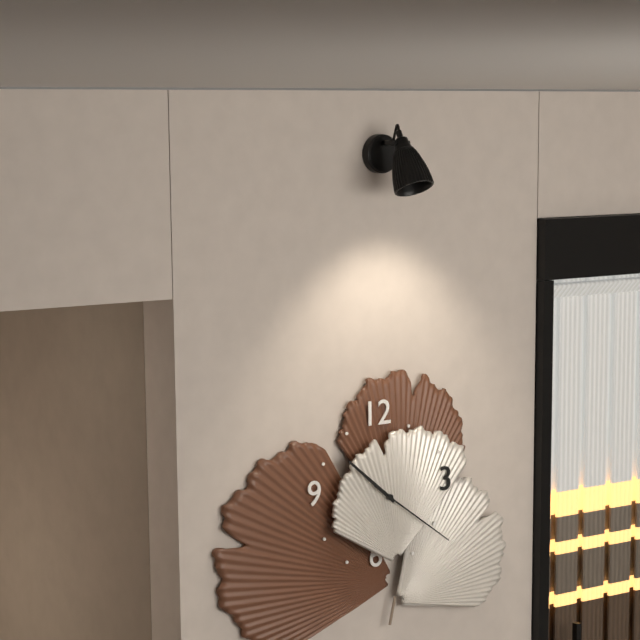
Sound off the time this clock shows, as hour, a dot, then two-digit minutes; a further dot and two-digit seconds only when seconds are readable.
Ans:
10.21
